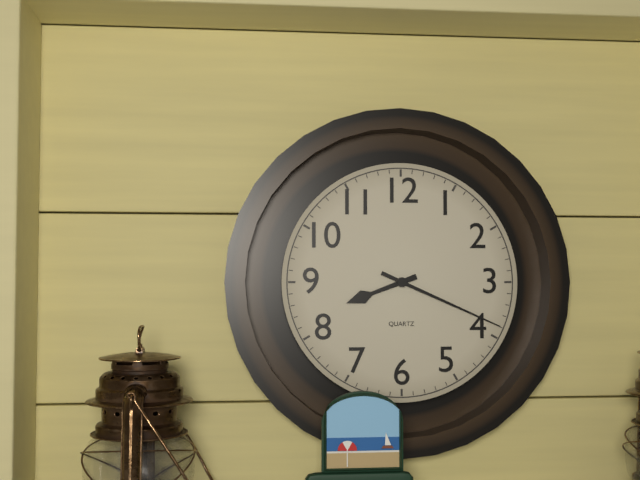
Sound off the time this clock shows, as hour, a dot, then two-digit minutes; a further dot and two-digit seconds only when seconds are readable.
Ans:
8.19
